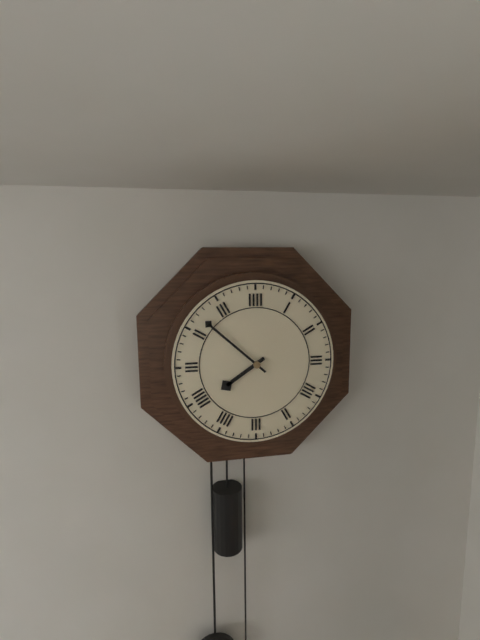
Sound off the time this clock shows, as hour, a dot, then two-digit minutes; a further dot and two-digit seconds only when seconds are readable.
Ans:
7.52
